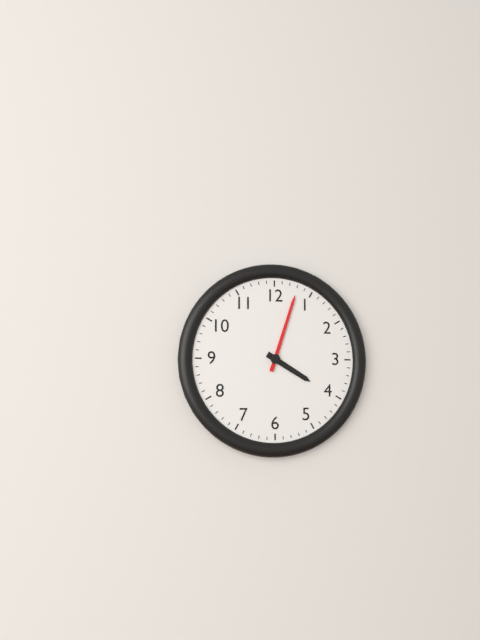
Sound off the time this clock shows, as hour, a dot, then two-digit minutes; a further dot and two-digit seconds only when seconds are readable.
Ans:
4.03
